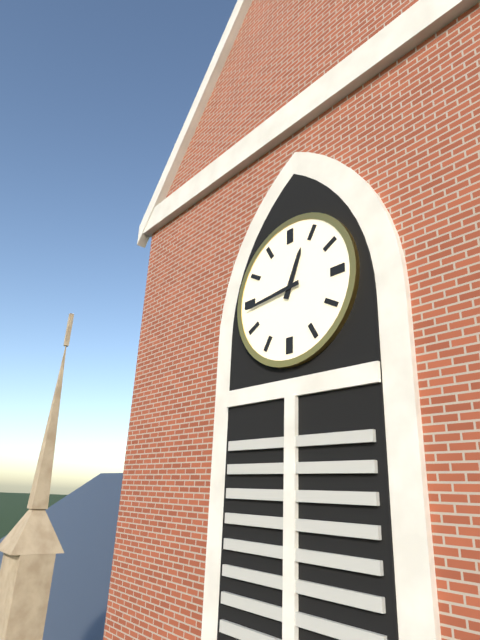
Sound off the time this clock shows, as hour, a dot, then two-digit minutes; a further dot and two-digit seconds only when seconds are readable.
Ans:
12.44
